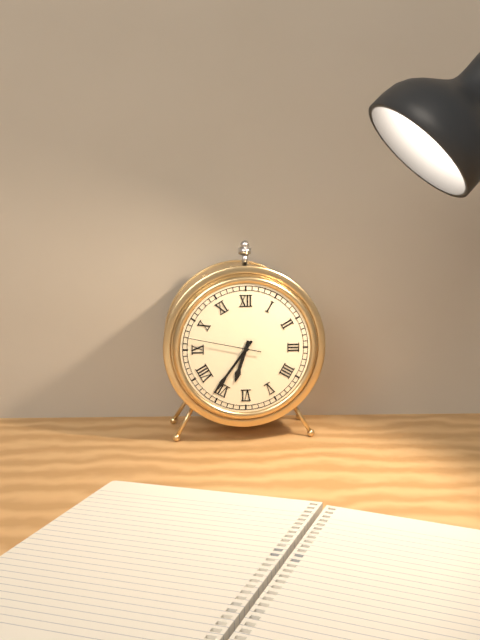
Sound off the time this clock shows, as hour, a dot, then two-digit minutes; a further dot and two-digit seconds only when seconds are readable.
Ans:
6.36.47
